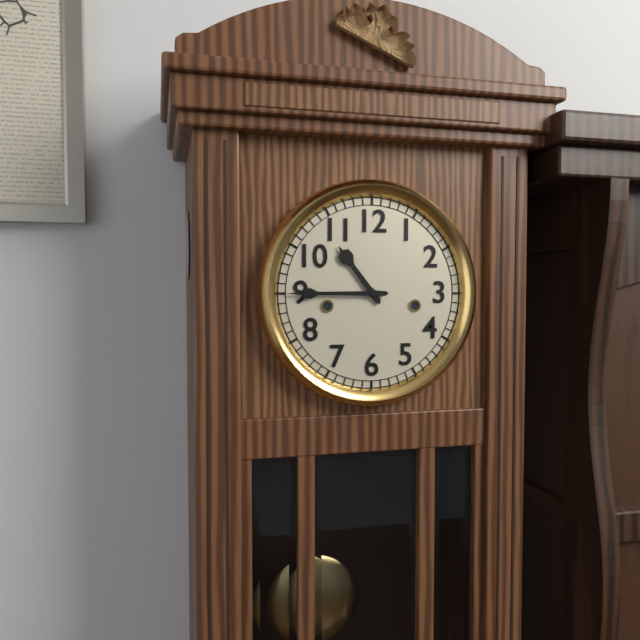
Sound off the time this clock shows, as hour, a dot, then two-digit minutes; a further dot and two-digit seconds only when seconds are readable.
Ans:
10.45
